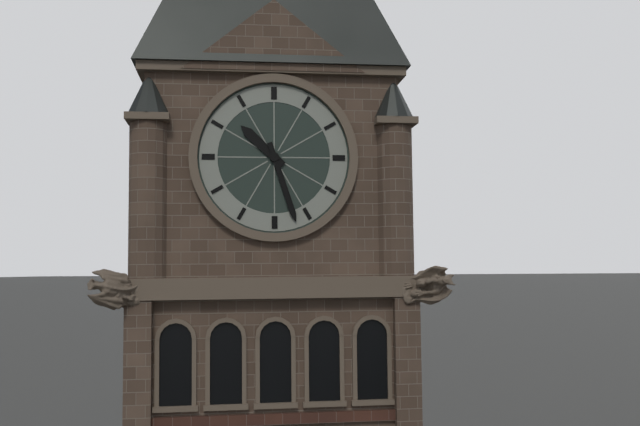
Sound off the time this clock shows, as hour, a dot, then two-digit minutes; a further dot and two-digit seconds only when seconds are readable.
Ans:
10.27
